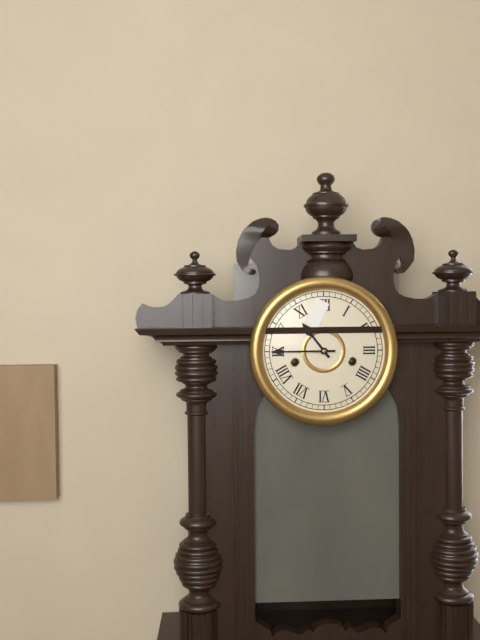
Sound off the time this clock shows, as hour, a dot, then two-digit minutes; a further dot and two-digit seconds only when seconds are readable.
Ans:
10.45
